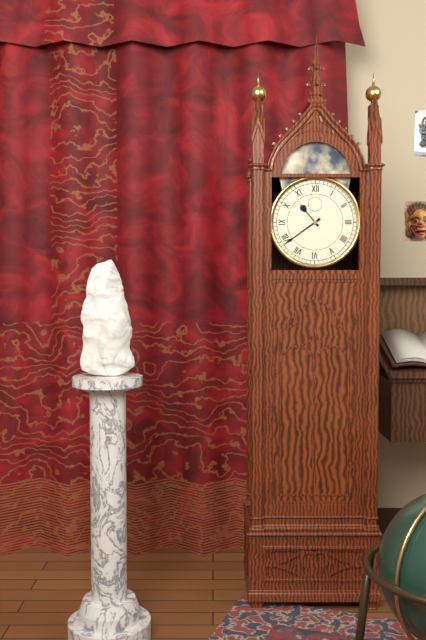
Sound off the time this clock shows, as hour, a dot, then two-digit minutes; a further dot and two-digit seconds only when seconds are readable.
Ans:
10.39
